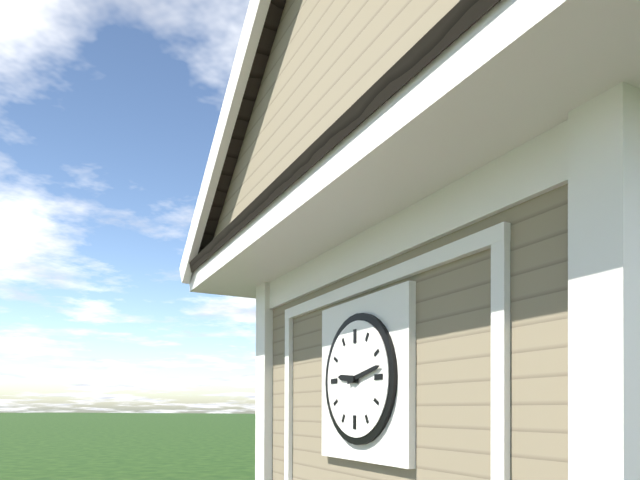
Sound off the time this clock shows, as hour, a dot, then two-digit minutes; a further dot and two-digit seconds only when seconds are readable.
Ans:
9.13
